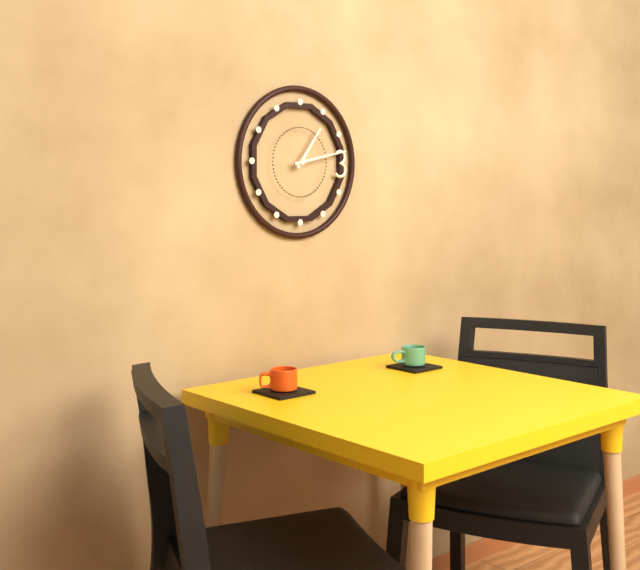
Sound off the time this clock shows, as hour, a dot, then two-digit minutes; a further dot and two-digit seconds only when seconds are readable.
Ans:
1.13
